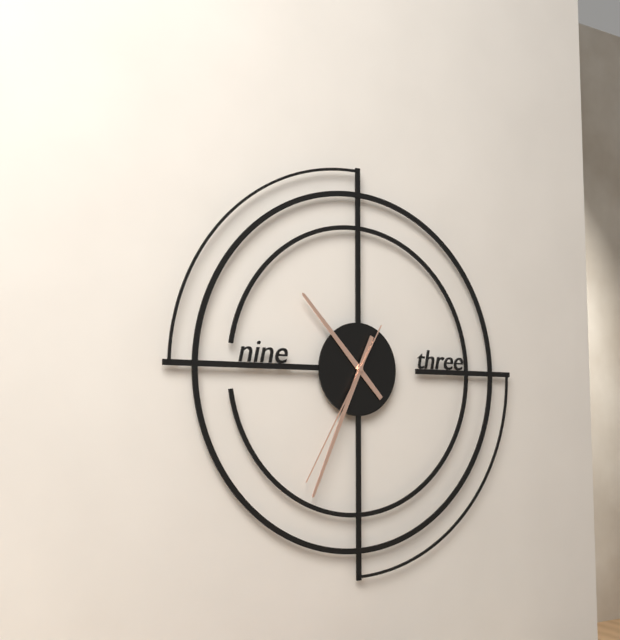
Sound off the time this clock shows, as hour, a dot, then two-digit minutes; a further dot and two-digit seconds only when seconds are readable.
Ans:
10.34.35
